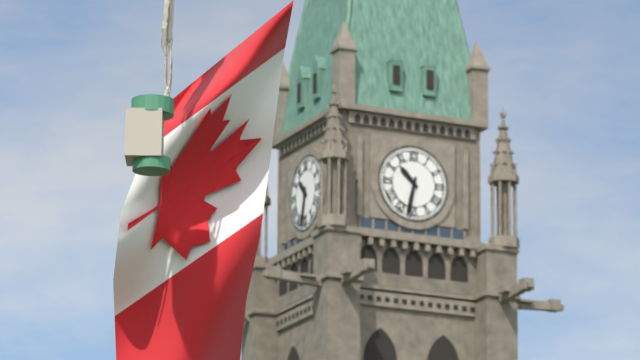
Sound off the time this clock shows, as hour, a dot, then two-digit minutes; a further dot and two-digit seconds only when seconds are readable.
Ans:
10.32
